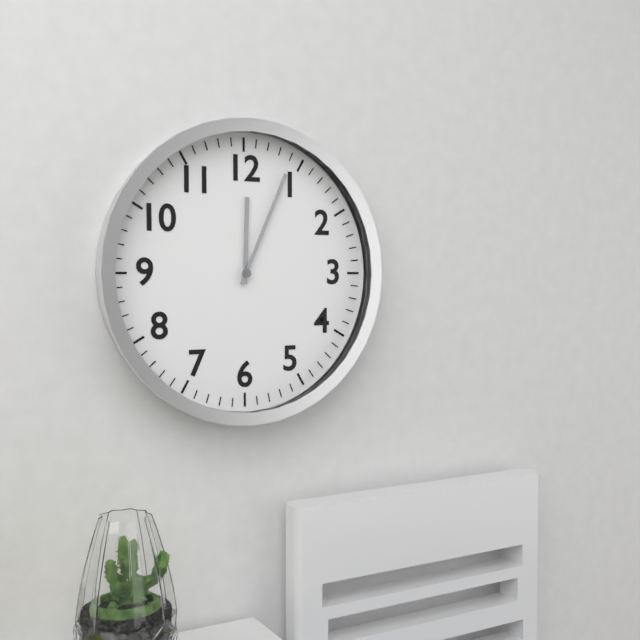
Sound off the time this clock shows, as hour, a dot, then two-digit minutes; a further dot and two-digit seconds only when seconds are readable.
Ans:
12.04
